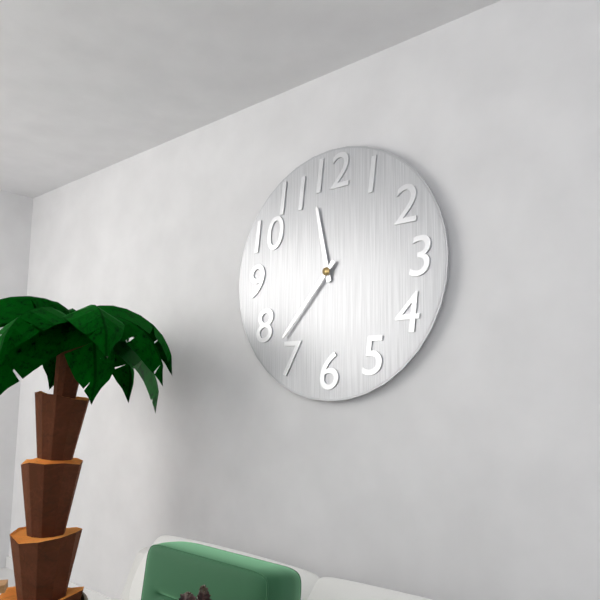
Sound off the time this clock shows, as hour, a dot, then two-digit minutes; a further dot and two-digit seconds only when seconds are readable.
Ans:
11.37
